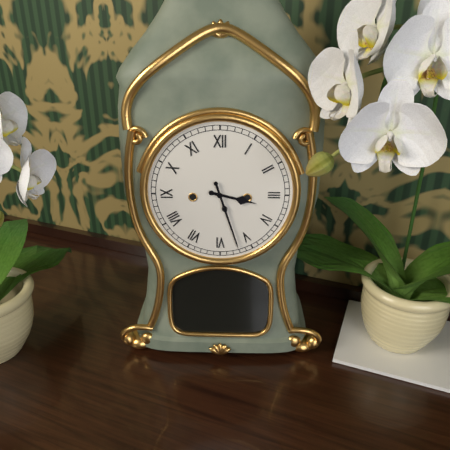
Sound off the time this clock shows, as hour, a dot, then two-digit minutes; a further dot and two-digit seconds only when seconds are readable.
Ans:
3.27
